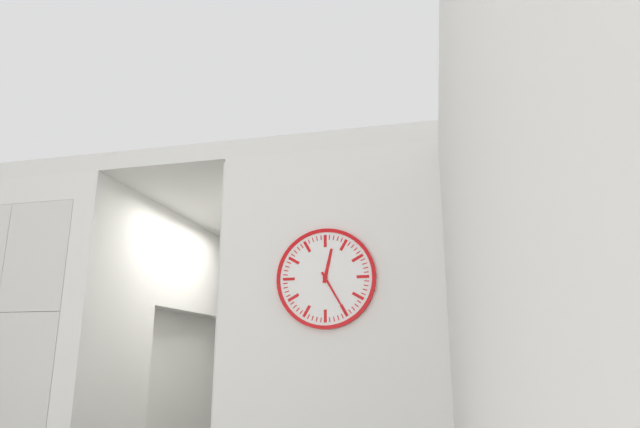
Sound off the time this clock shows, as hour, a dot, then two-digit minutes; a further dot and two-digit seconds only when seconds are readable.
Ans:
12.25
